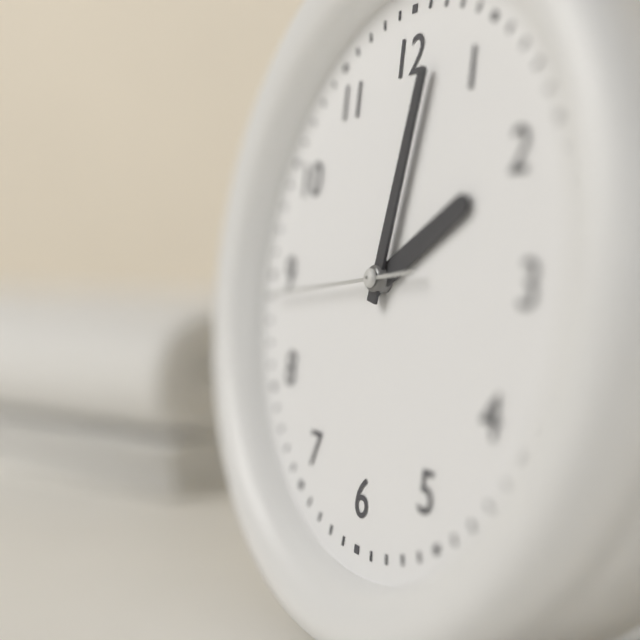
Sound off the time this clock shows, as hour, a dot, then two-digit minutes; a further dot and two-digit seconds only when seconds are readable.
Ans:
2.02.44
